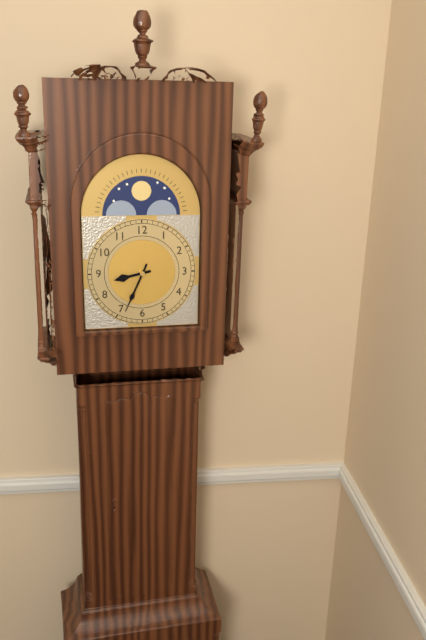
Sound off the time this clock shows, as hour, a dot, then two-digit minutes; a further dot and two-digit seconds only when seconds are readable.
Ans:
8.34
